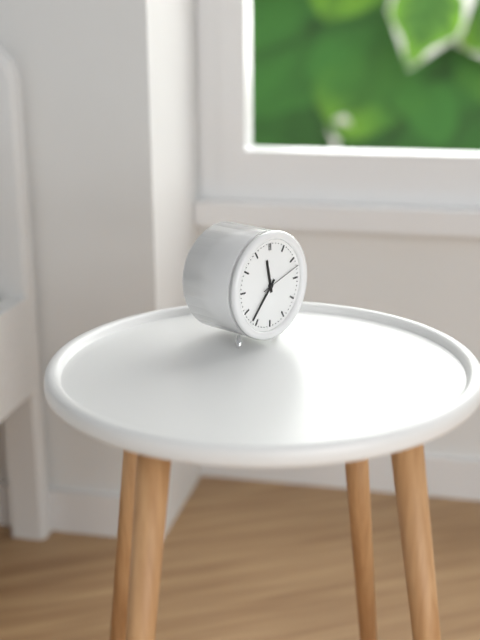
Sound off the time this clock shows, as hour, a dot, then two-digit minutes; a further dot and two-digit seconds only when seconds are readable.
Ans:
11.37
